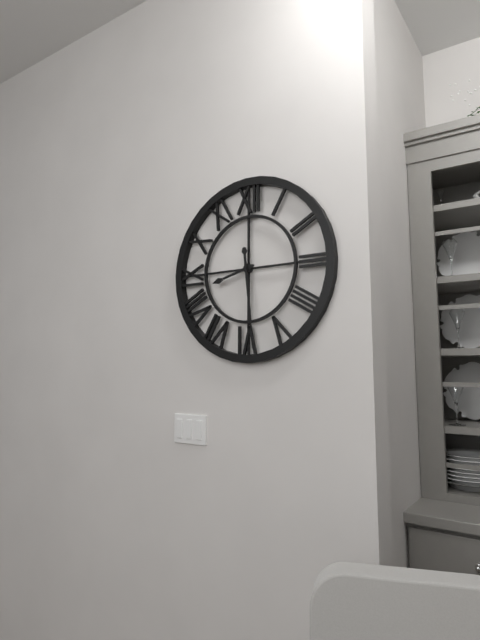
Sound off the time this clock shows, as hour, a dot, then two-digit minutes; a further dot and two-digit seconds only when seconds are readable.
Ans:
8.29
